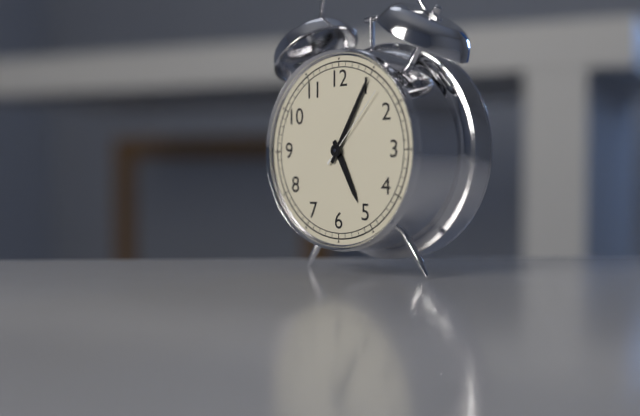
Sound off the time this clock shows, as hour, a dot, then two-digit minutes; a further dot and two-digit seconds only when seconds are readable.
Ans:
5.05.07
